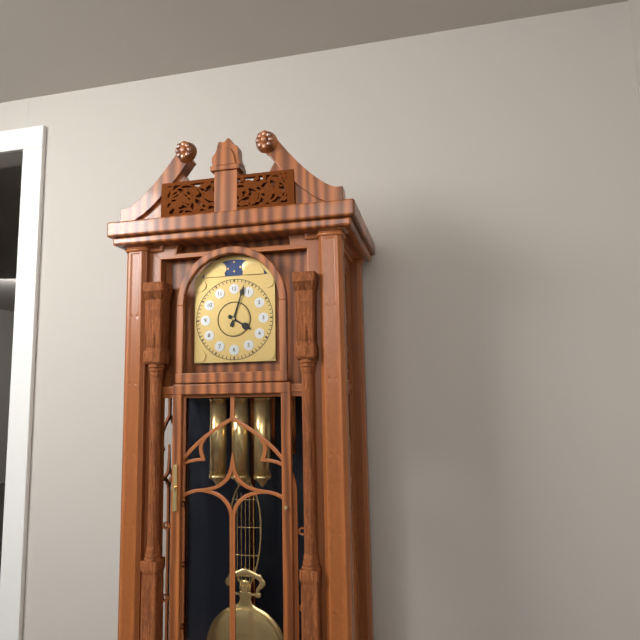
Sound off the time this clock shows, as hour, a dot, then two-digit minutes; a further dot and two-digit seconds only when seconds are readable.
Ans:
4.03
